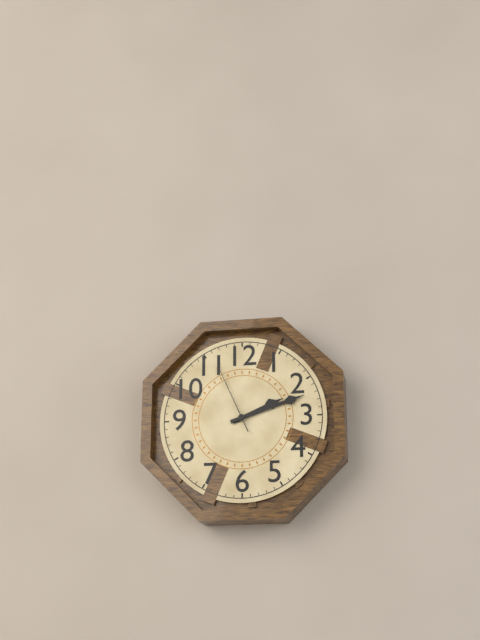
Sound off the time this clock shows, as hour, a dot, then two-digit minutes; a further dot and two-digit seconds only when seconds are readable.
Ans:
2.12.56
